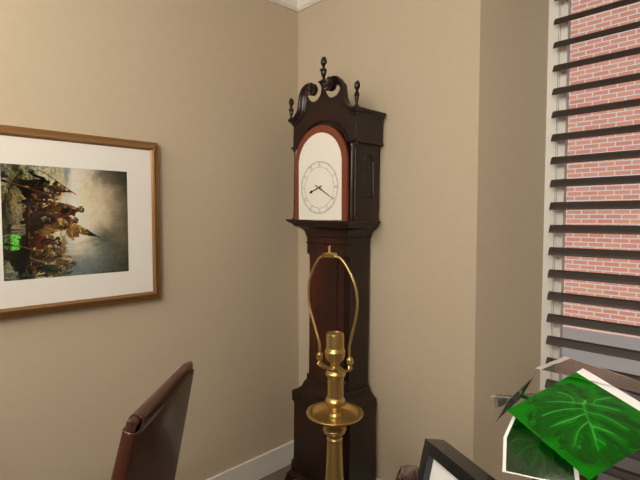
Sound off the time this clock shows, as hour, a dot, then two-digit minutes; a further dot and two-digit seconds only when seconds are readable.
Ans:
8.20
